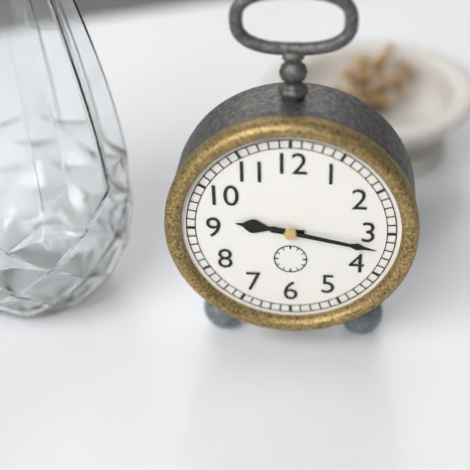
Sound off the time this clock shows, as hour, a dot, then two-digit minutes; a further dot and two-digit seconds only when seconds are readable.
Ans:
9.17
